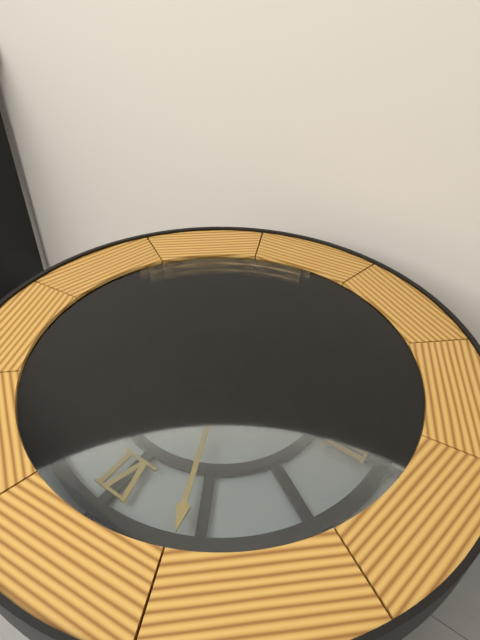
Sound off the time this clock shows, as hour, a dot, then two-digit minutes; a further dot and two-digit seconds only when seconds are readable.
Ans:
10.26
